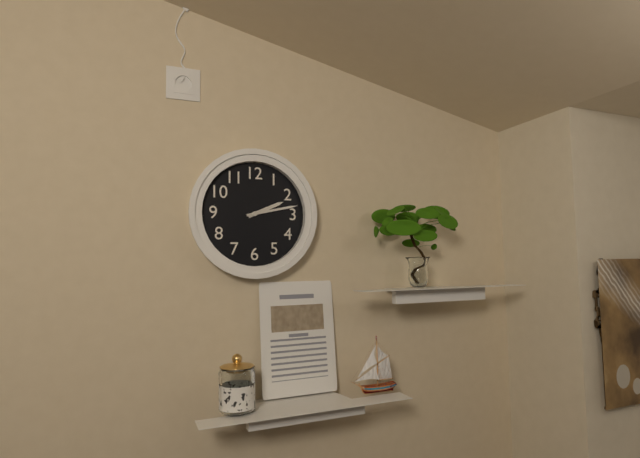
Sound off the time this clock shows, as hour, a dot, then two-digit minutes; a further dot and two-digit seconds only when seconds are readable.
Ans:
2.13
